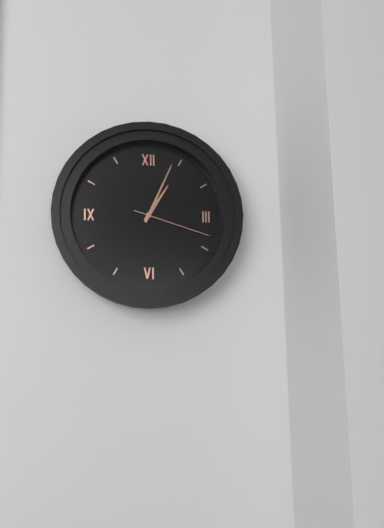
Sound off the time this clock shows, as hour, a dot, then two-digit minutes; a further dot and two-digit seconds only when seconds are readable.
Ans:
1.04.18
